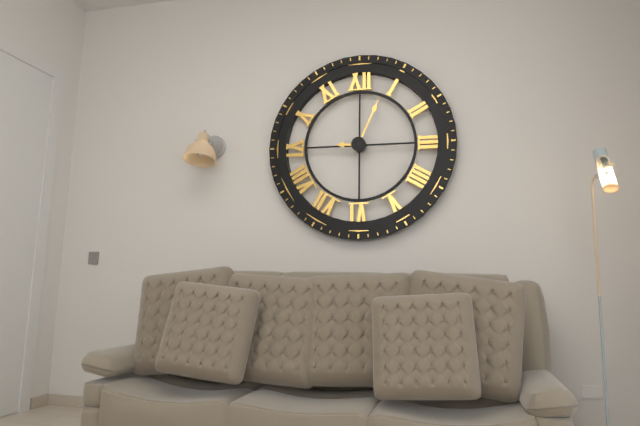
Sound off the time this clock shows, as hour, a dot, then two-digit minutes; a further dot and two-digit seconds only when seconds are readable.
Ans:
9.04
